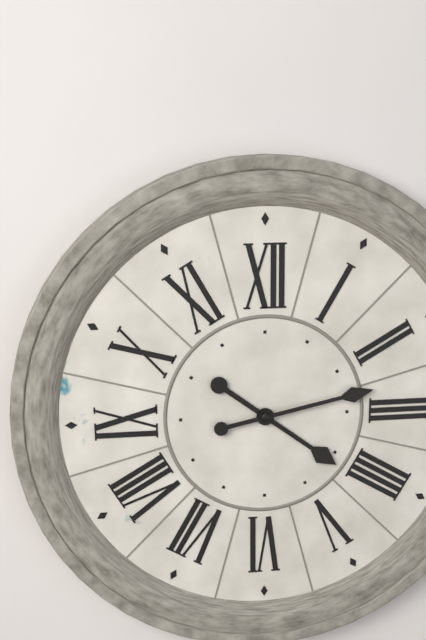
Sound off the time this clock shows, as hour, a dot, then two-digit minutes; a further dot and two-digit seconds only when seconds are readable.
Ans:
4.13
